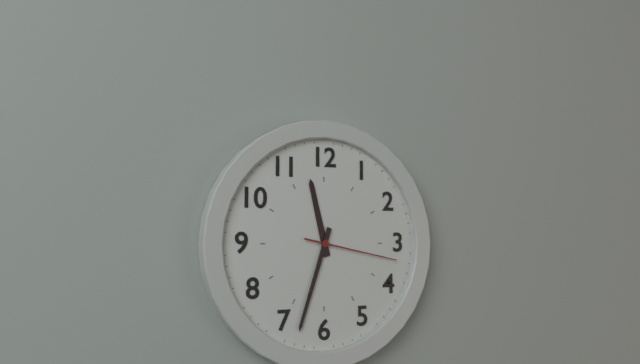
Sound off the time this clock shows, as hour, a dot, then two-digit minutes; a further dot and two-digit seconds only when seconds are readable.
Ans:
11.33.17
